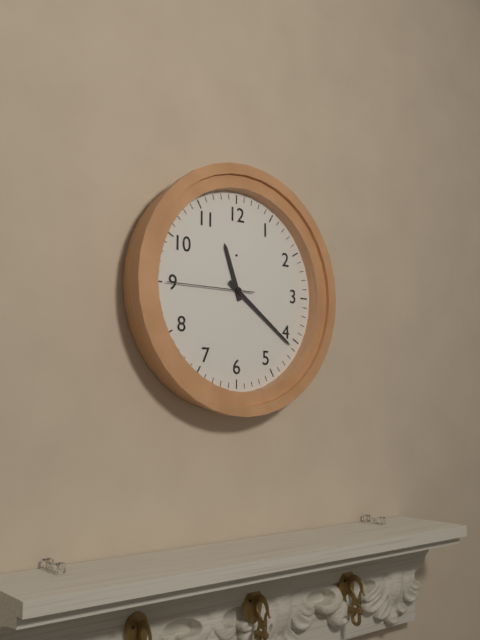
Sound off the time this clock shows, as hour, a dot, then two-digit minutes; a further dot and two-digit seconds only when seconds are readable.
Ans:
11.21.45
